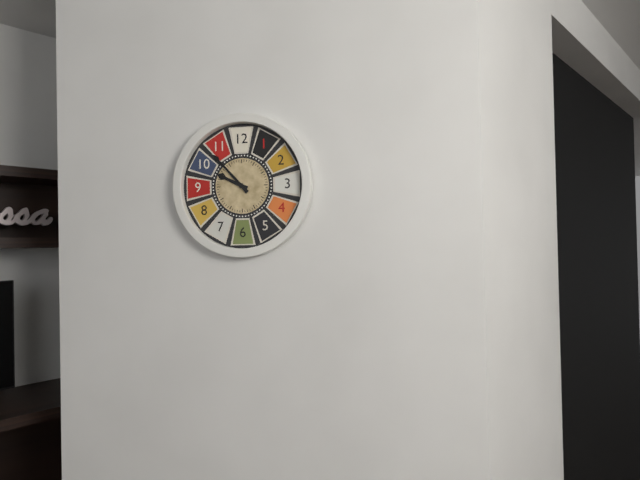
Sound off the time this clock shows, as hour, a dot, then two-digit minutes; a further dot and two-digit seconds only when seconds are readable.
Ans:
9.53
